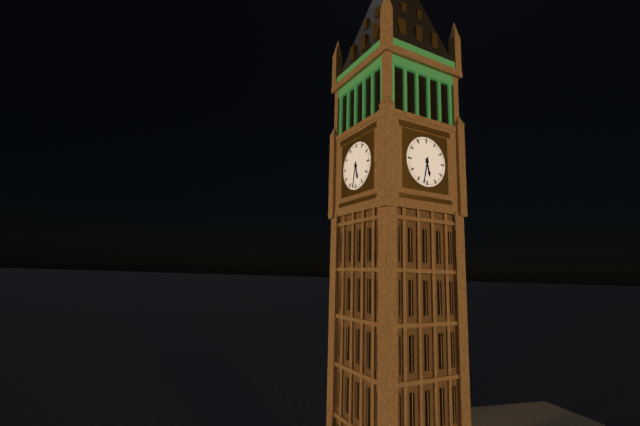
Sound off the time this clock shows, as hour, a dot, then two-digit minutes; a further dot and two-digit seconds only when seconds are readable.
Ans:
5.32
